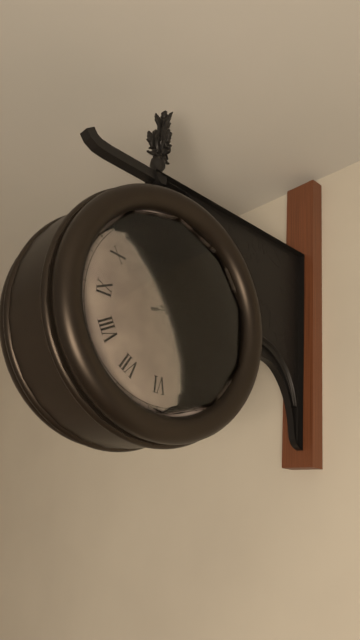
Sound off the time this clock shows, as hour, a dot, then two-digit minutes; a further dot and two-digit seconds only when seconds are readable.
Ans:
3.14.13
